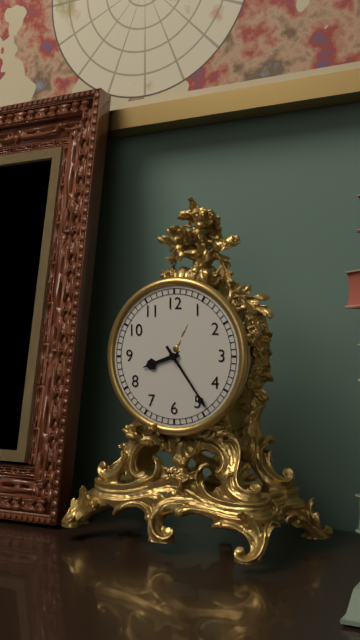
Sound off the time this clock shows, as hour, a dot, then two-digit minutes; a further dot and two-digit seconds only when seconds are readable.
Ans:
8.24
